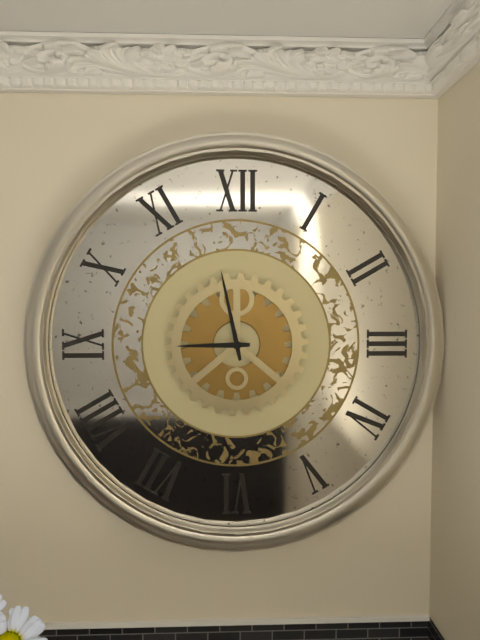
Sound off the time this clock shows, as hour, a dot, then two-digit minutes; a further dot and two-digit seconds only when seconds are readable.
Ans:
8.58
